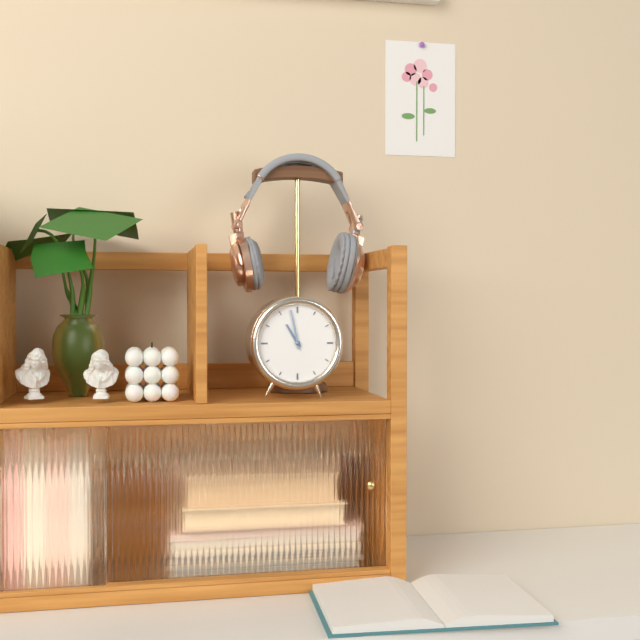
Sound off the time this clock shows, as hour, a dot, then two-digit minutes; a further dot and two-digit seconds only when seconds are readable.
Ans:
10.58
